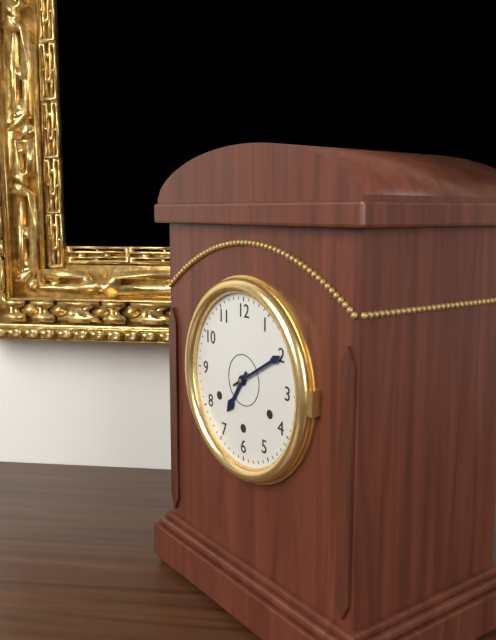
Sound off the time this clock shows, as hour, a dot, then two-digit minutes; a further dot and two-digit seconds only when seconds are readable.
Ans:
7.10
